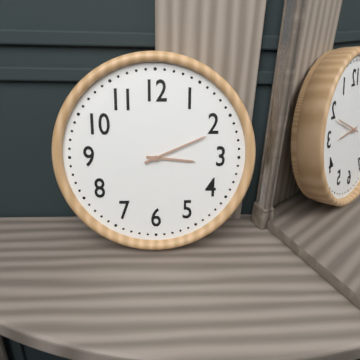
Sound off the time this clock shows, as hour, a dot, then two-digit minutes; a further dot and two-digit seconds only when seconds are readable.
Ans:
3.11
